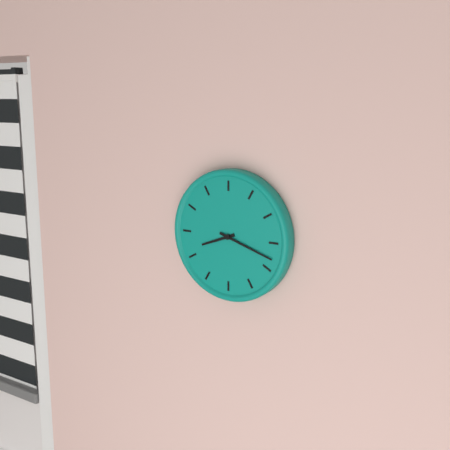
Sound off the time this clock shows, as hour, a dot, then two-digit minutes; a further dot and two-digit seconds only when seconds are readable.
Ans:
8.18
